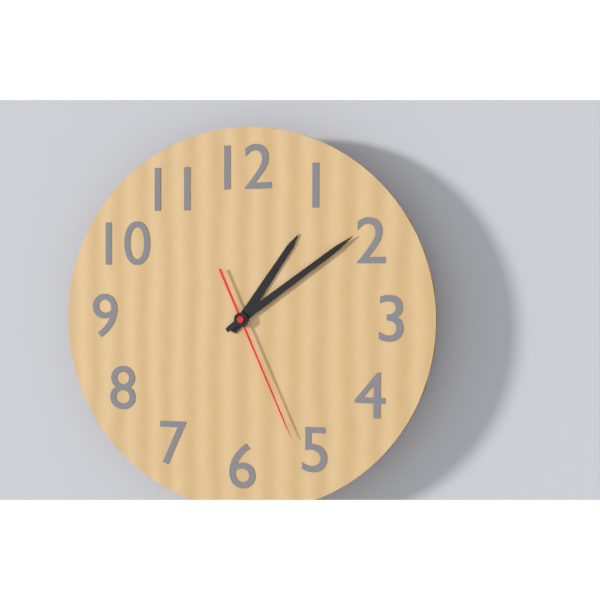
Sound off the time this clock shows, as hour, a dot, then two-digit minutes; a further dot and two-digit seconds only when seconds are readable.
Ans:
1.09.26
